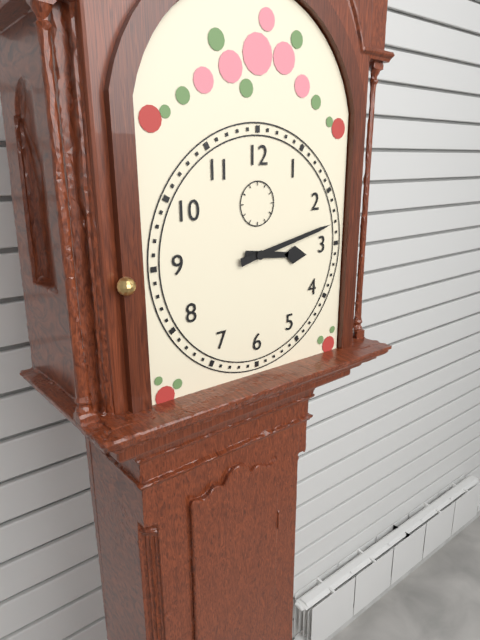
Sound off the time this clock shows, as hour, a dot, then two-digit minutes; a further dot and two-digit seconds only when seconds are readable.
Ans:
3.13
